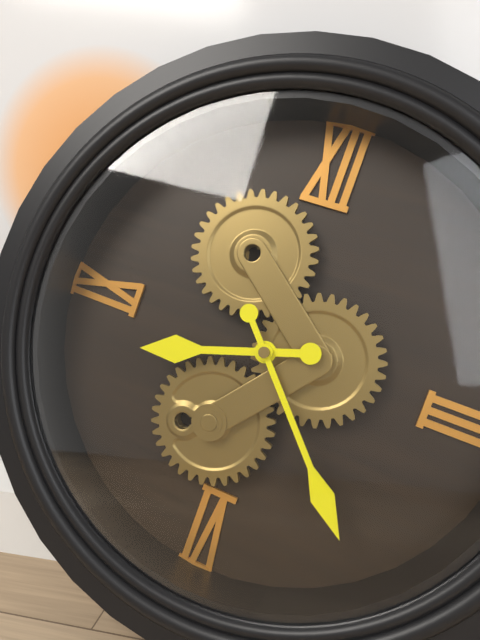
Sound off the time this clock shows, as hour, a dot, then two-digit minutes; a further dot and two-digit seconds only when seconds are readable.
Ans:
8.23
